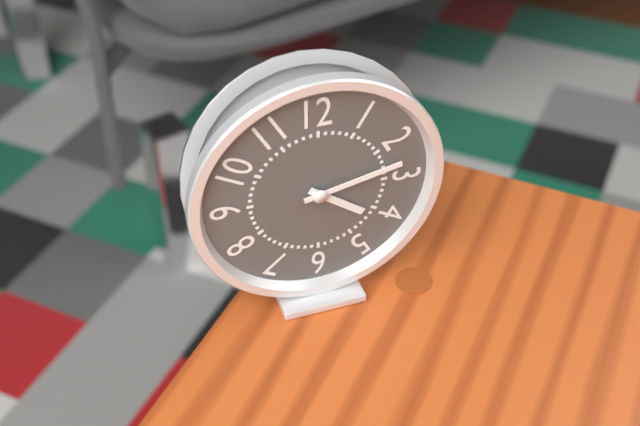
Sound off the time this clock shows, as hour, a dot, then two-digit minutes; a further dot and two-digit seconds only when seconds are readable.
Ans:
4.13
